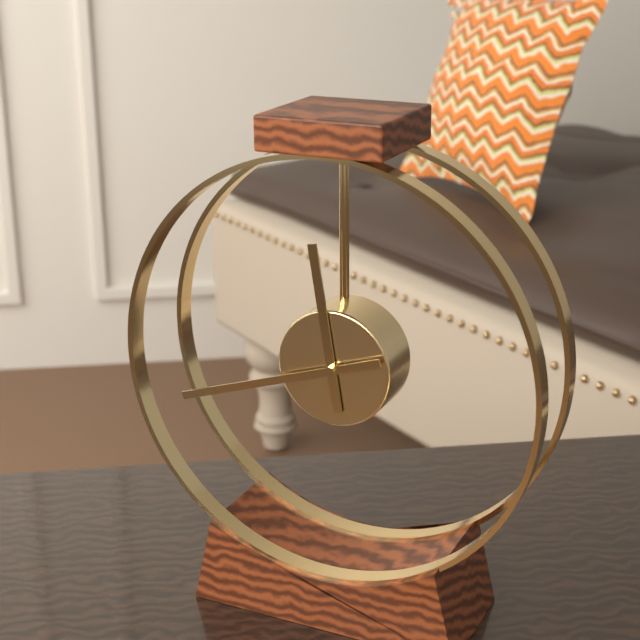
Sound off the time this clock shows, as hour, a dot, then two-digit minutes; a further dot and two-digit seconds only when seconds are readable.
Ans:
11.42
